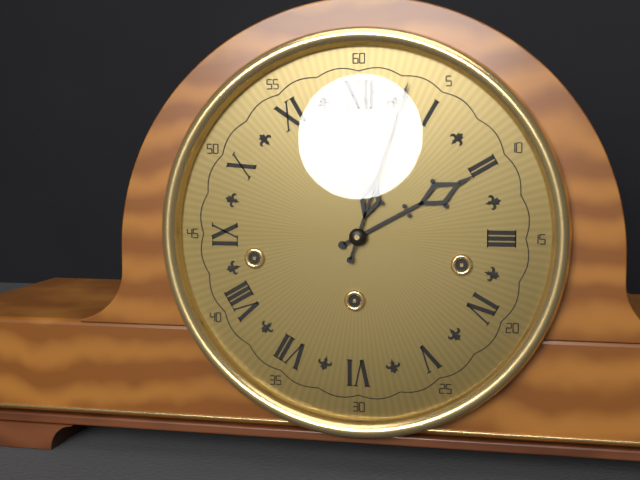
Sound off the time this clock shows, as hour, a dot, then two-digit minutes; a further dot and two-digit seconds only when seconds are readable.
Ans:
2.03
